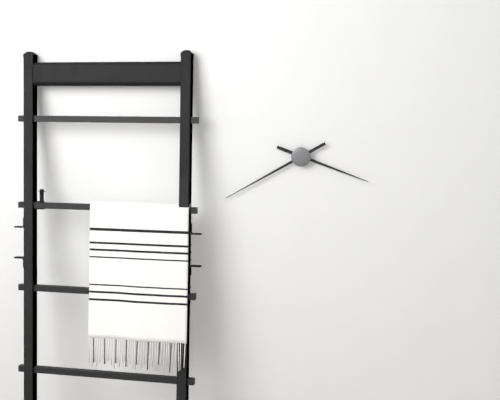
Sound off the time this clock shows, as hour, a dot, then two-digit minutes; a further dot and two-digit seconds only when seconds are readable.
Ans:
3.40
